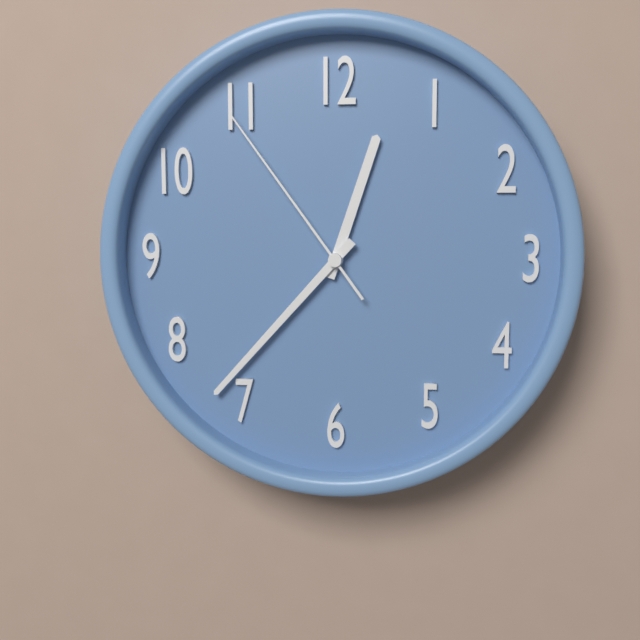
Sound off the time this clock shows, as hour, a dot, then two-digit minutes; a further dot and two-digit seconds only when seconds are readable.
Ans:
12.37.54
